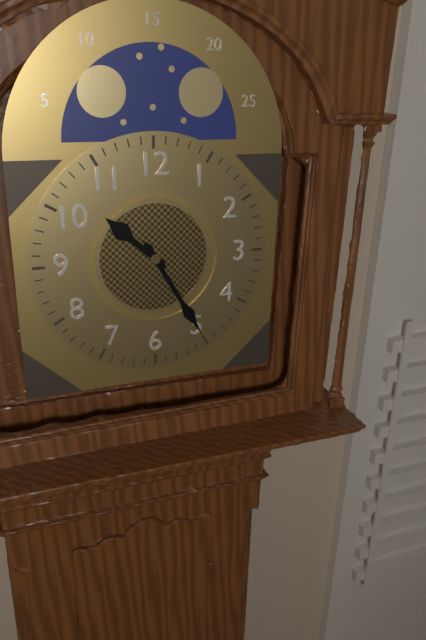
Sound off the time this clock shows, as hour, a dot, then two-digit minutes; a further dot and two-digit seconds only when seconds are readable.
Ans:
10.25
